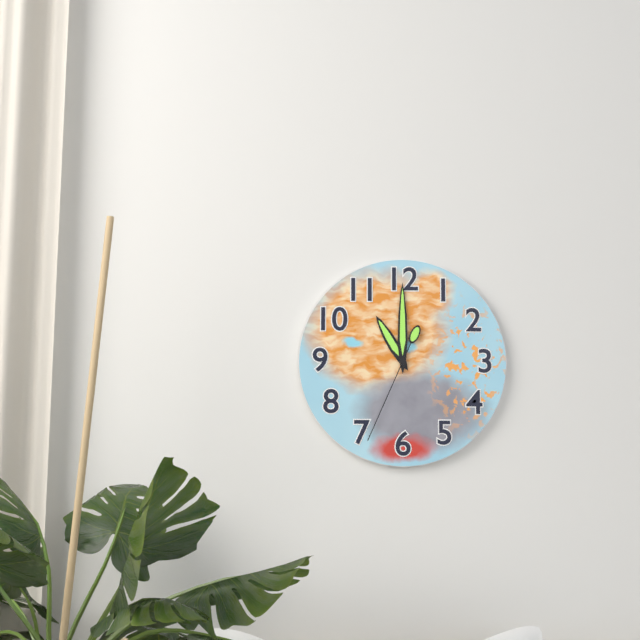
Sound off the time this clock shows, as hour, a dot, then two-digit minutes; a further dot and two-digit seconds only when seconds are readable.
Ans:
11.00.34
